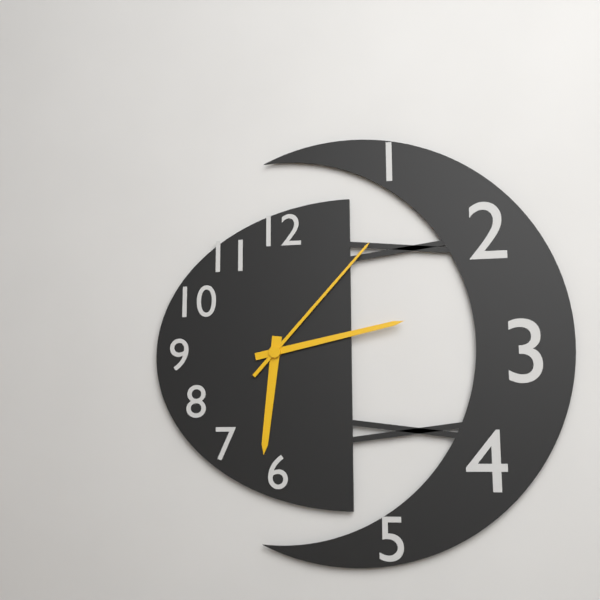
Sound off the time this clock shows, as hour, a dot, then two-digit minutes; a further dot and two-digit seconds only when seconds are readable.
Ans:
6.13.07
